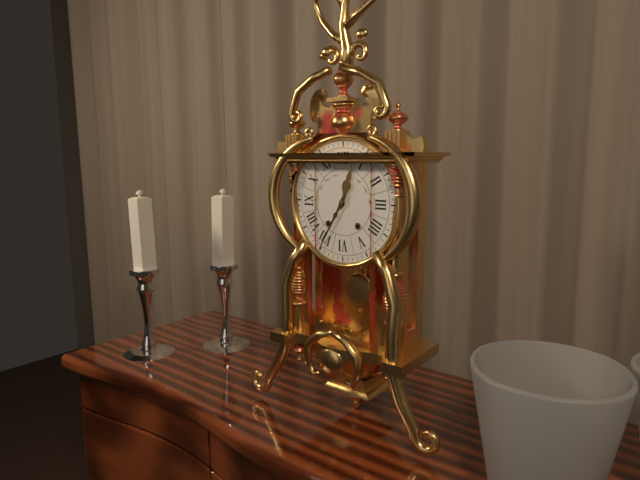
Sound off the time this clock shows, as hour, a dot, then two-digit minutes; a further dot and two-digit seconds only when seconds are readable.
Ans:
12.35
